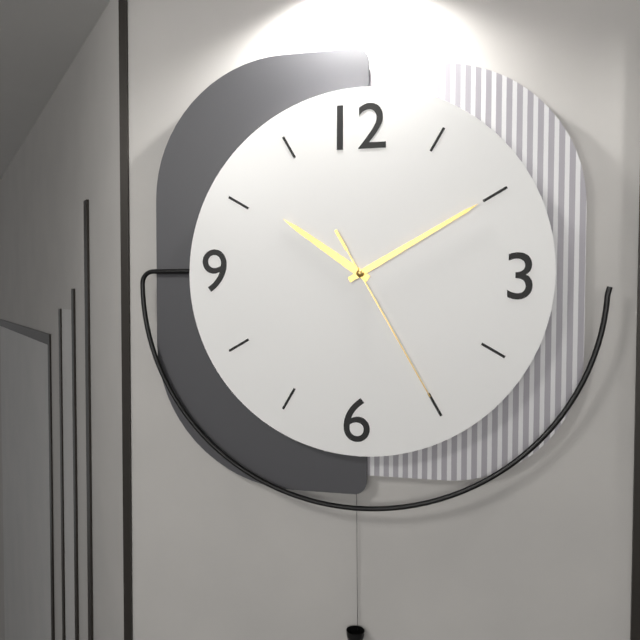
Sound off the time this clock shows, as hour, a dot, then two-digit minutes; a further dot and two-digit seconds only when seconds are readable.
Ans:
10.10.25
